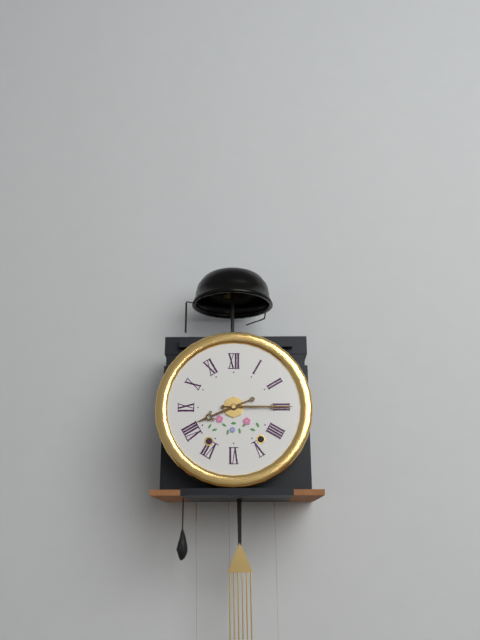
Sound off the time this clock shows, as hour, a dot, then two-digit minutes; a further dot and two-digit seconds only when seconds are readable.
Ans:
8.15
